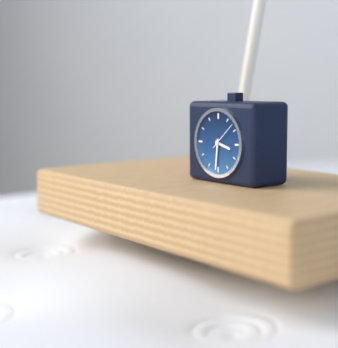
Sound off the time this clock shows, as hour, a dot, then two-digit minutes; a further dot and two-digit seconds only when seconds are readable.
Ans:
3.31
